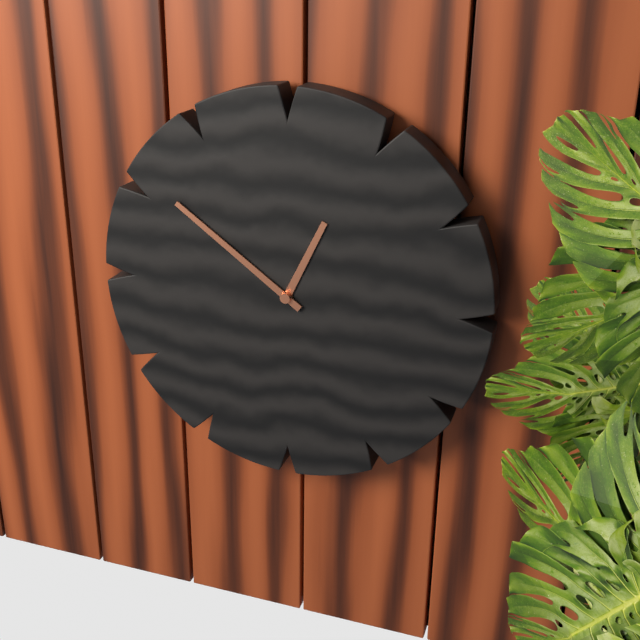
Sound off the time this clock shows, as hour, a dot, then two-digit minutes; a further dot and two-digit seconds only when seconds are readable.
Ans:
12.51
